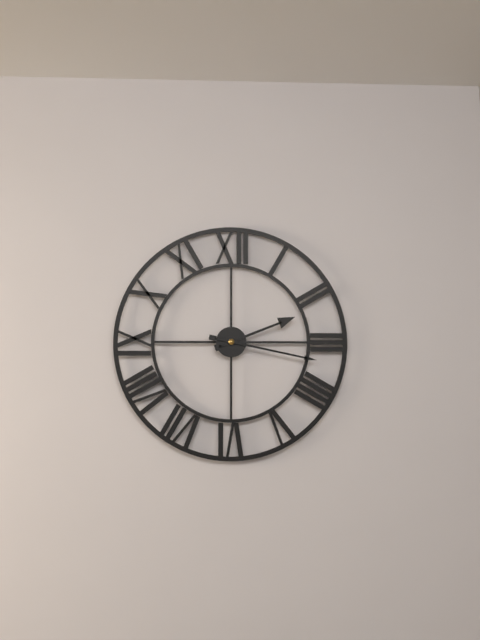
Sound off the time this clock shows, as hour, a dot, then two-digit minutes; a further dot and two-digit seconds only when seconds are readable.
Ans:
2.17
